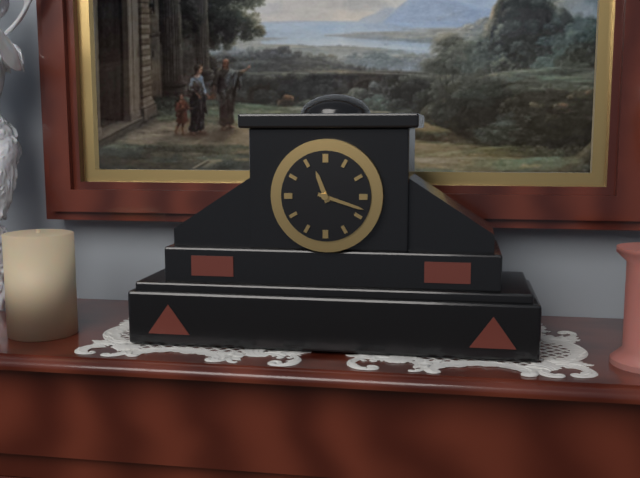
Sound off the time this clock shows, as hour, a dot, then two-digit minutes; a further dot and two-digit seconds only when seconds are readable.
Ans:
11.18
